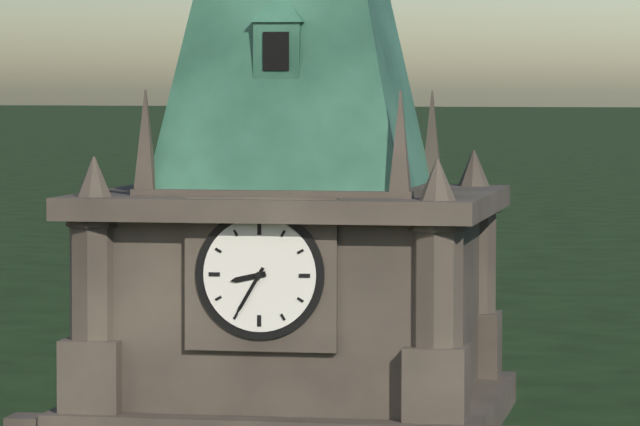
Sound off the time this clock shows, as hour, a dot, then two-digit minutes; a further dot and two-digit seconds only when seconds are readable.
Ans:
8.35
